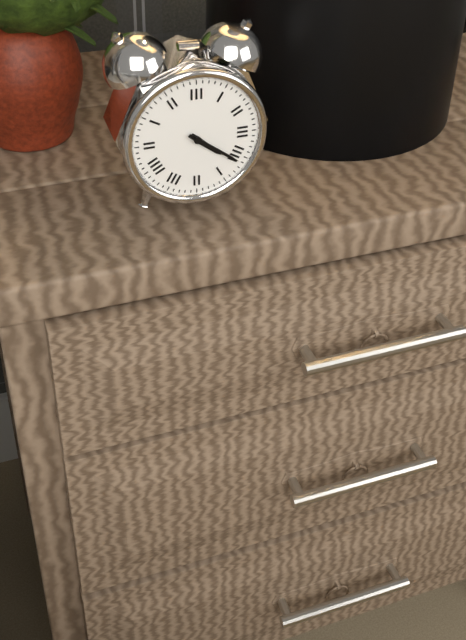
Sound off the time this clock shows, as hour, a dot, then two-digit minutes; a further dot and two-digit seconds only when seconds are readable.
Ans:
4.21
